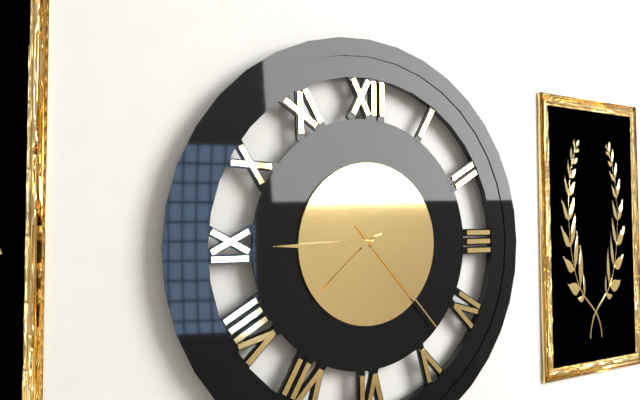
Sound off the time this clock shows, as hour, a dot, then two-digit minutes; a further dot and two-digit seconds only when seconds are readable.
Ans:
7.45.23
